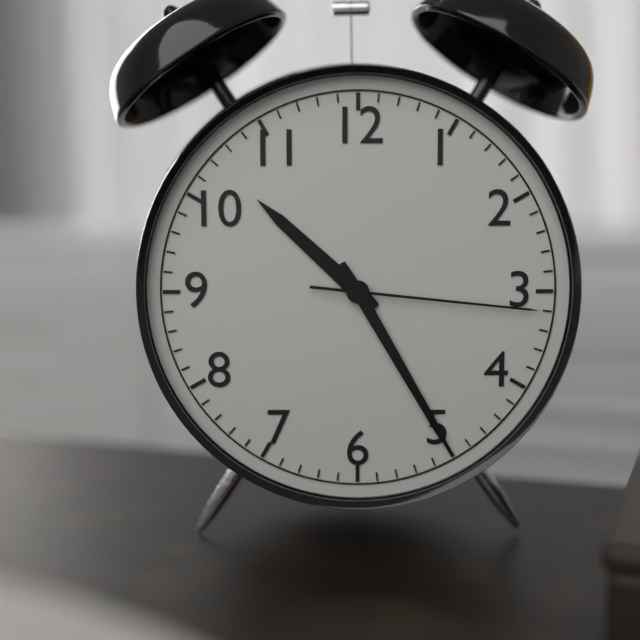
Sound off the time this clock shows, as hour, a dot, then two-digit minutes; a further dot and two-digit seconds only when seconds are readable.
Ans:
10.25.16
